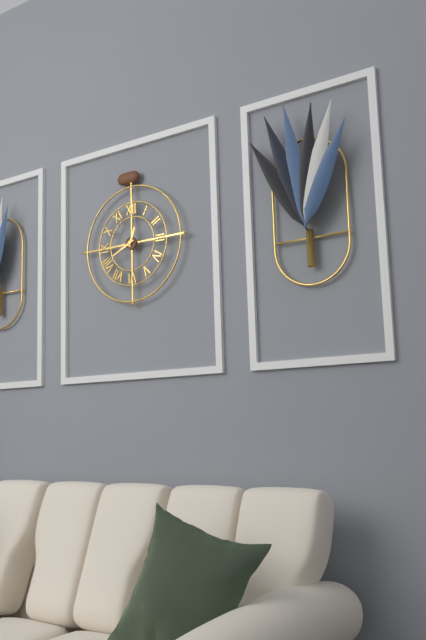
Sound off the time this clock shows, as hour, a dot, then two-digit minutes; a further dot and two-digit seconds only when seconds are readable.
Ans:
12.41
